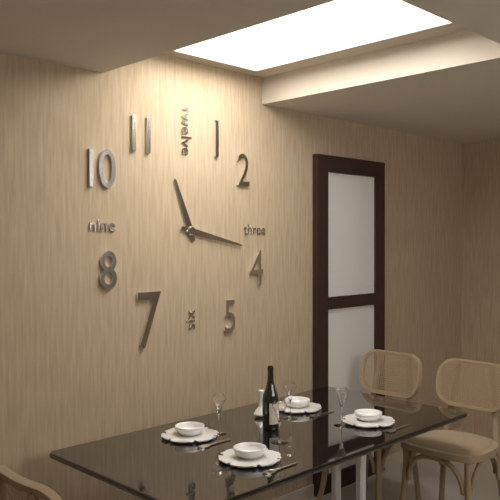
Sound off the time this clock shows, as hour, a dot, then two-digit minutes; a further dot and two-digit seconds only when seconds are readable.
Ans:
11.17
